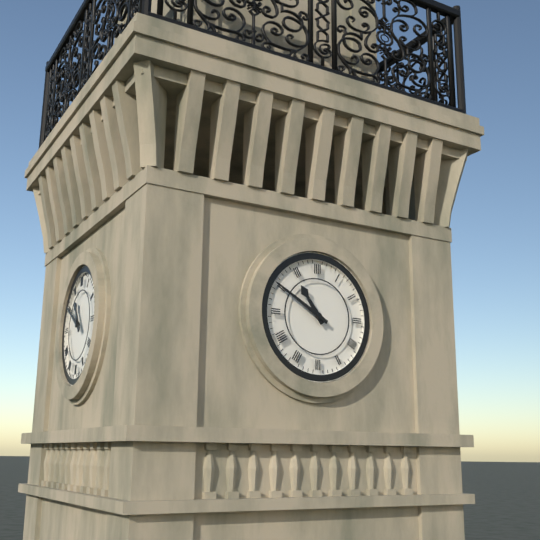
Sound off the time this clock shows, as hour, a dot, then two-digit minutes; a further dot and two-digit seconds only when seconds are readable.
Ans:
10.50
